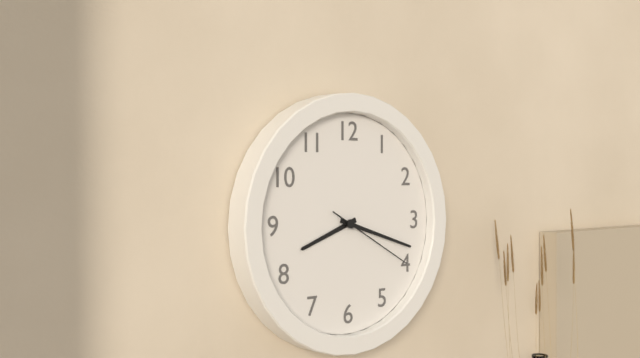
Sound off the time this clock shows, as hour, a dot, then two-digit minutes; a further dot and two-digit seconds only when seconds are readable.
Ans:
8.18.20
